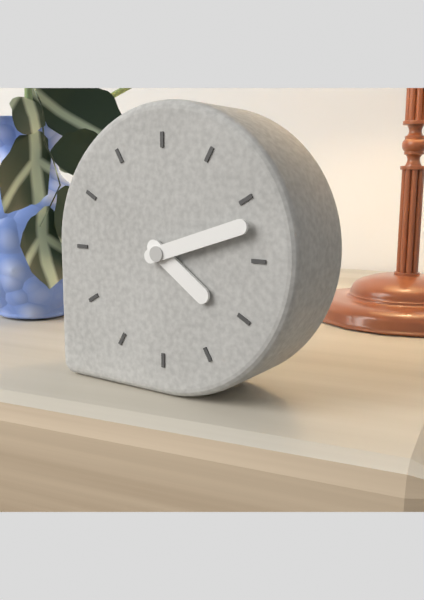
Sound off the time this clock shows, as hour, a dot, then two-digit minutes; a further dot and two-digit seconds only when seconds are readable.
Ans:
4.12
